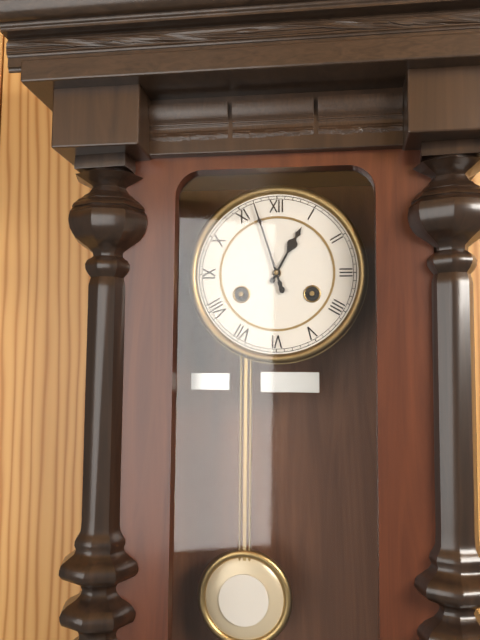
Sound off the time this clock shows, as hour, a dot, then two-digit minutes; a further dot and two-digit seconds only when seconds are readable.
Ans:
12.57
